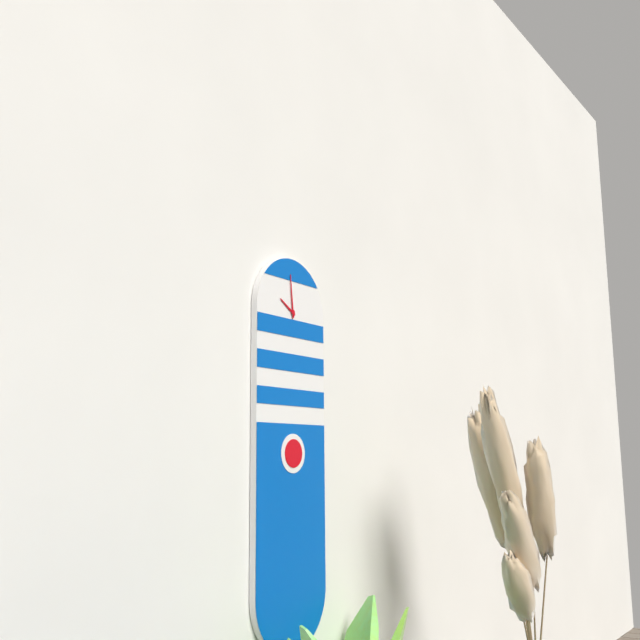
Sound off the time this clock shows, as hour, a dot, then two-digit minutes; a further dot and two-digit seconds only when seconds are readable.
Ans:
9.59
